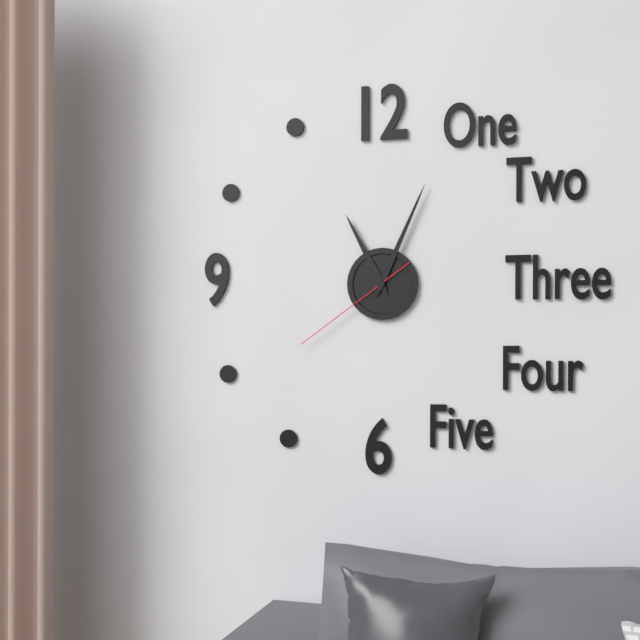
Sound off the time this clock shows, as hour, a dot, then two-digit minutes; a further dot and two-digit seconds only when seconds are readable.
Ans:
11.04.39
